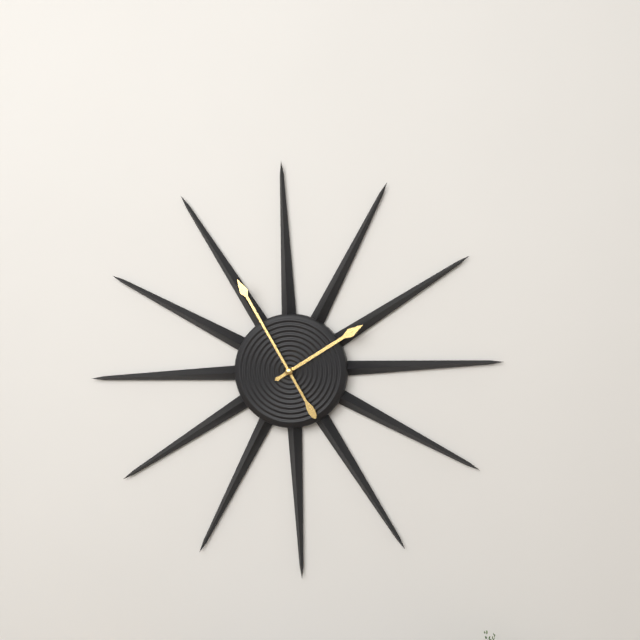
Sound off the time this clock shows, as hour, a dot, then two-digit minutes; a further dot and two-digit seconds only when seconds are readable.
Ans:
1.55
